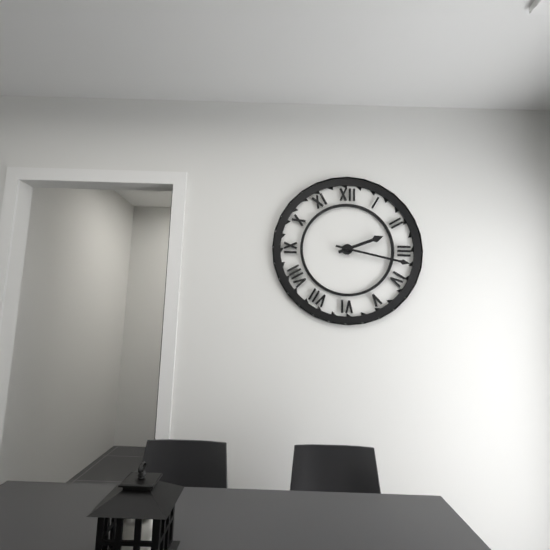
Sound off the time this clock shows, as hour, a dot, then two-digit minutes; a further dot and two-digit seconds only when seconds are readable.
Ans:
2.17
